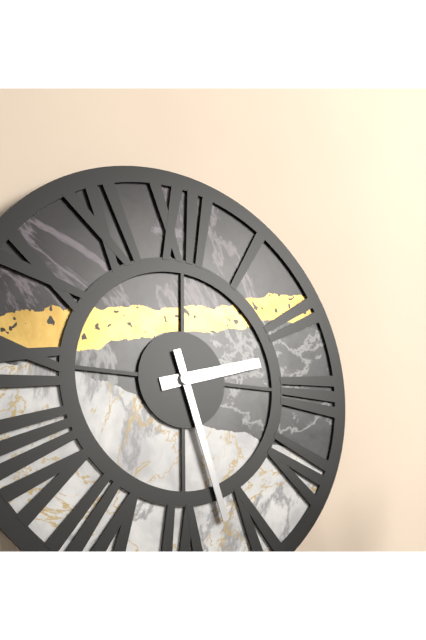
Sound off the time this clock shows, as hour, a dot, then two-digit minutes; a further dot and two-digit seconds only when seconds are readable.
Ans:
2.27
